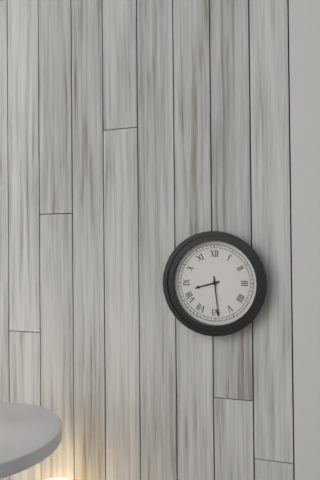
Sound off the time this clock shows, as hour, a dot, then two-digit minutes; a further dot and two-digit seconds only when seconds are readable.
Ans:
8.29
